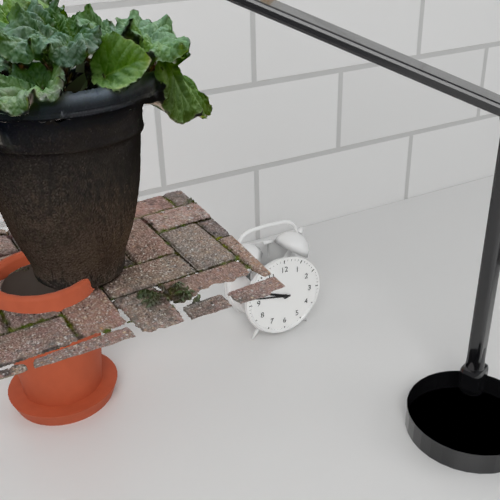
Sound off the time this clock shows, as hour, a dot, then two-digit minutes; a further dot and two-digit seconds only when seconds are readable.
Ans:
9.47
